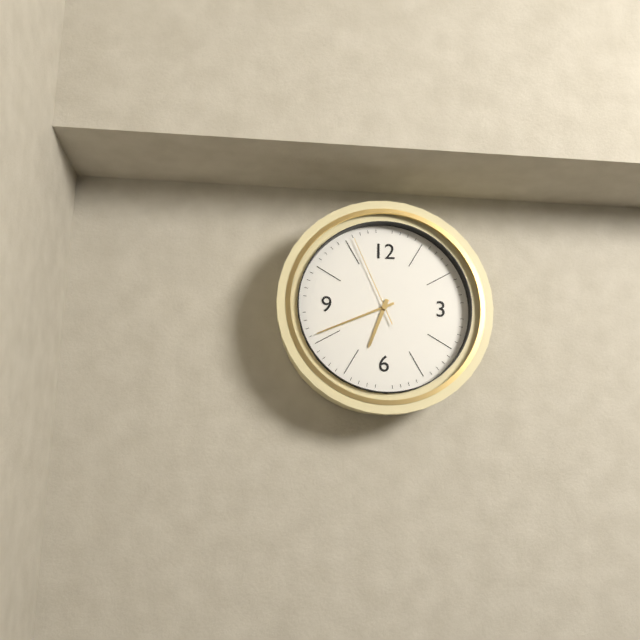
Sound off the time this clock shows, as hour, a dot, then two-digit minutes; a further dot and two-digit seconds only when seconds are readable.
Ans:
6.41.56
